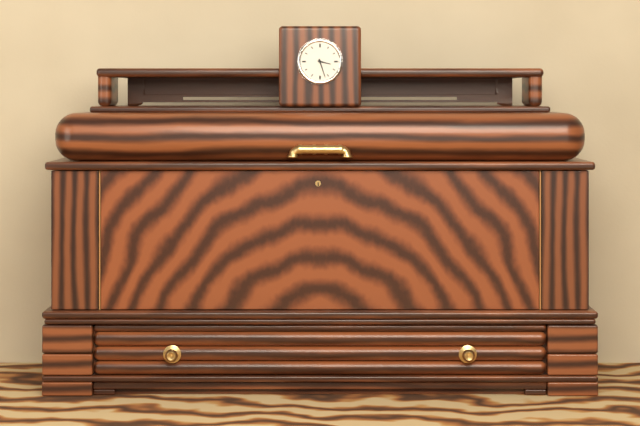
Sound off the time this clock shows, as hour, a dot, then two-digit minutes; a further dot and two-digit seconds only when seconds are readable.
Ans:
3.27
